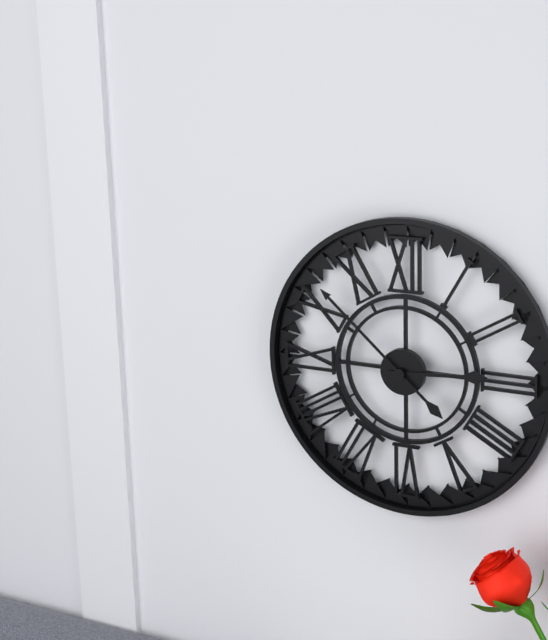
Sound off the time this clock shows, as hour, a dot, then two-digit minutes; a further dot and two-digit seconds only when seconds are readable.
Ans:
2.52
